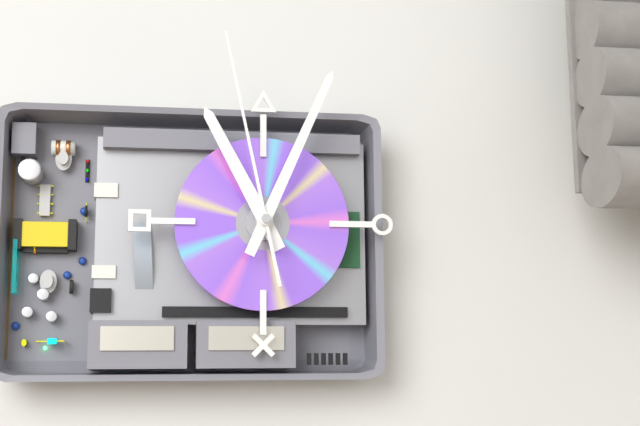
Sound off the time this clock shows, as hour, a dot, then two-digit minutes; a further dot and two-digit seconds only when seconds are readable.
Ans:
11.04.58
